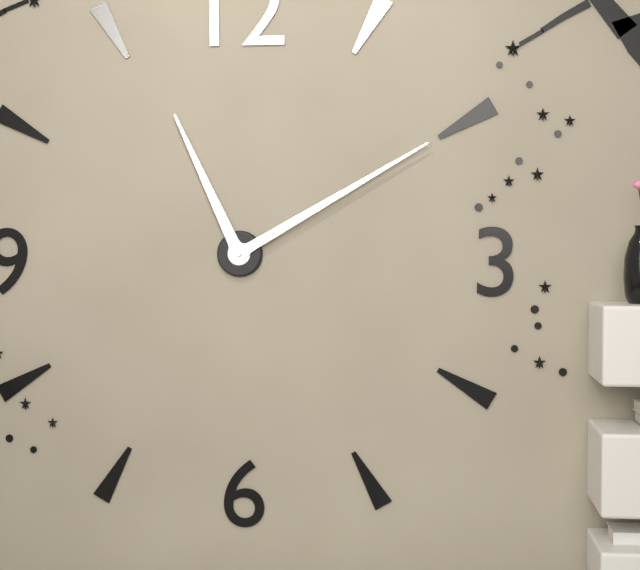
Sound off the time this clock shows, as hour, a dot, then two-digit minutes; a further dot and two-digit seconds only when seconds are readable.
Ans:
11.10
